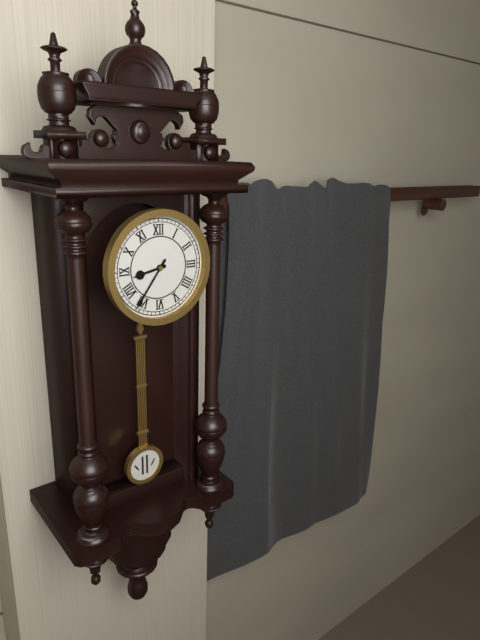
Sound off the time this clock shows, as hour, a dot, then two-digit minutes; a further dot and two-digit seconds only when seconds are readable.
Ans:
8.36
